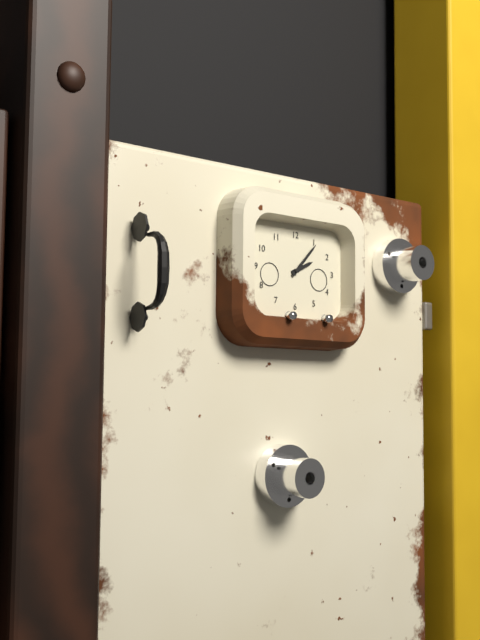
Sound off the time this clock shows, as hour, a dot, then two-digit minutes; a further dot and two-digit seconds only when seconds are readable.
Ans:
2.07
